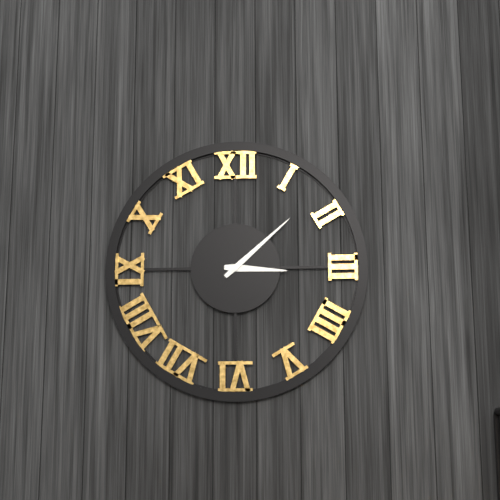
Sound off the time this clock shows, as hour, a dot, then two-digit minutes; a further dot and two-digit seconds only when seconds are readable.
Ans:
3.08
